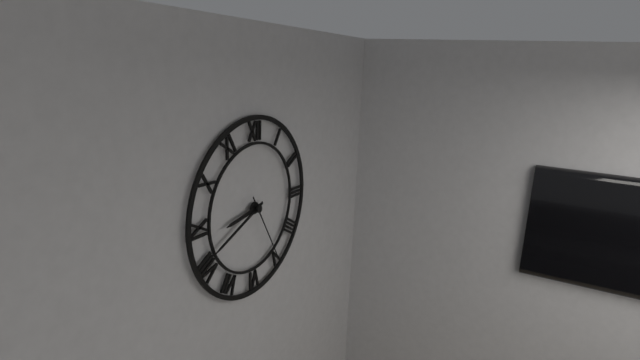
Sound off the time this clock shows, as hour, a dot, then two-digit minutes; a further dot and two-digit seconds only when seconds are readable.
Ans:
8.41.25
